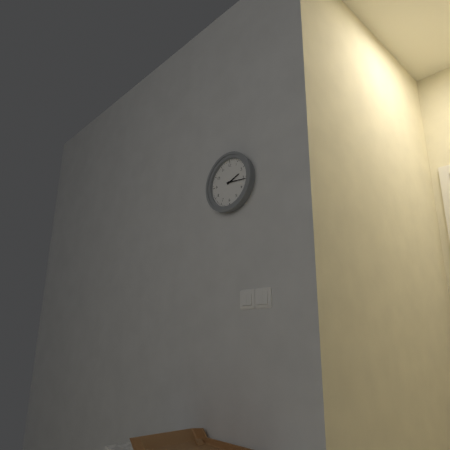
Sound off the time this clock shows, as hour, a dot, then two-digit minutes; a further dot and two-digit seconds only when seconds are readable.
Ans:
2.16
